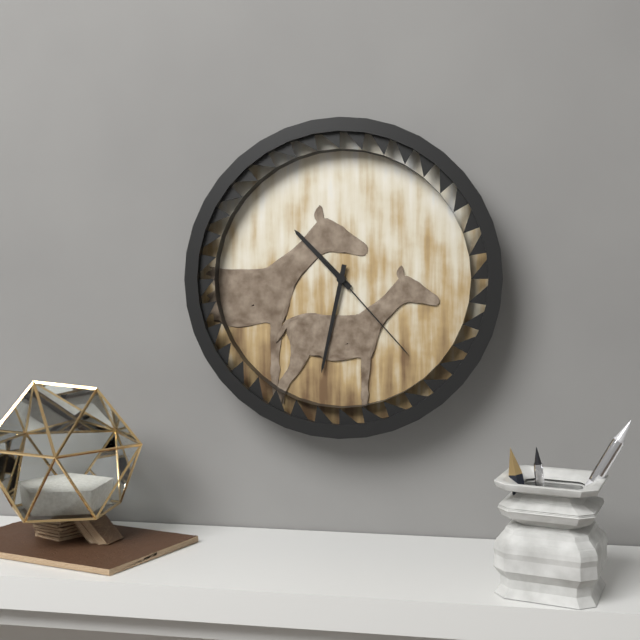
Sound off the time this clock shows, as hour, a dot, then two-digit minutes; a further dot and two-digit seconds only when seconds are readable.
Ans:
10.32.23
